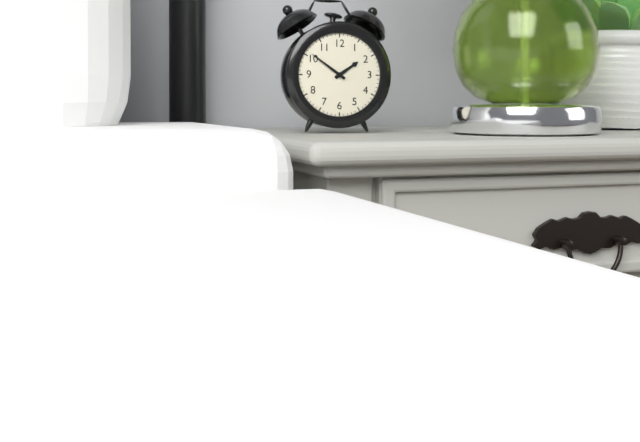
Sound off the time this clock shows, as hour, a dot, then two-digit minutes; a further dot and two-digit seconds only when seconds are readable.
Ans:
1.51
